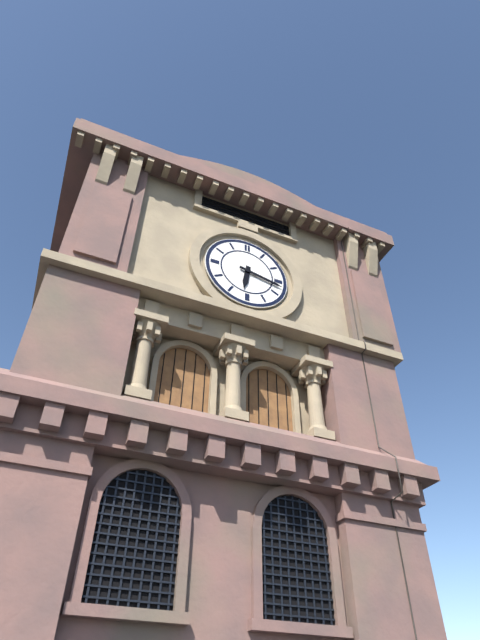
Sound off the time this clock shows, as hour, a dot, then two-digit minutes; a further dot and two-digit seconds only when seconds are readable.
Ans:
6.17
